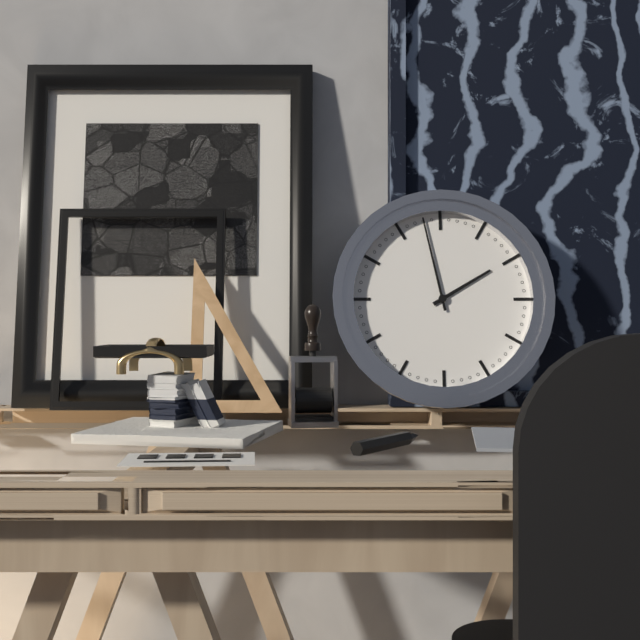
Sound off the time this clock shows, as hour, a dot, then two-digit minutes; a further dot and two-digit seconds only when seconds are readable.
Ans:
1.58
